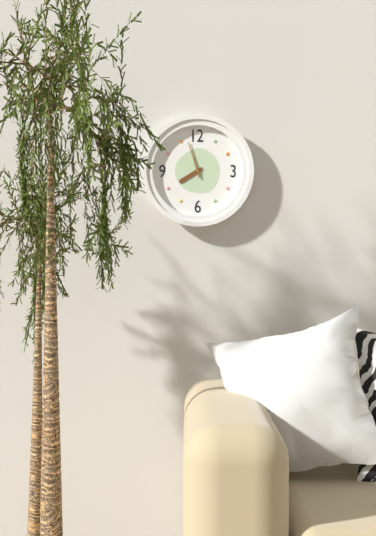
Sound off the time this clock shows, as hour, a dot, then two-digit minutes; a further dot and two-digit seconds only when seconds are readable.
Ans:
7.57
